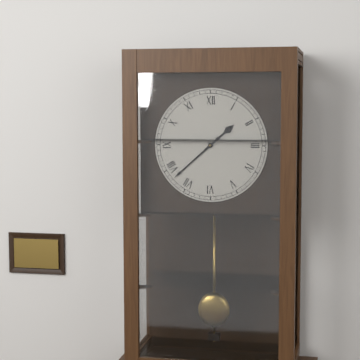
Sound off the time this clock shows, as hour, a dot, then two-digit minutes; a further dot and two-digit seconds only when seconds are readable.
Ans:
1.38
